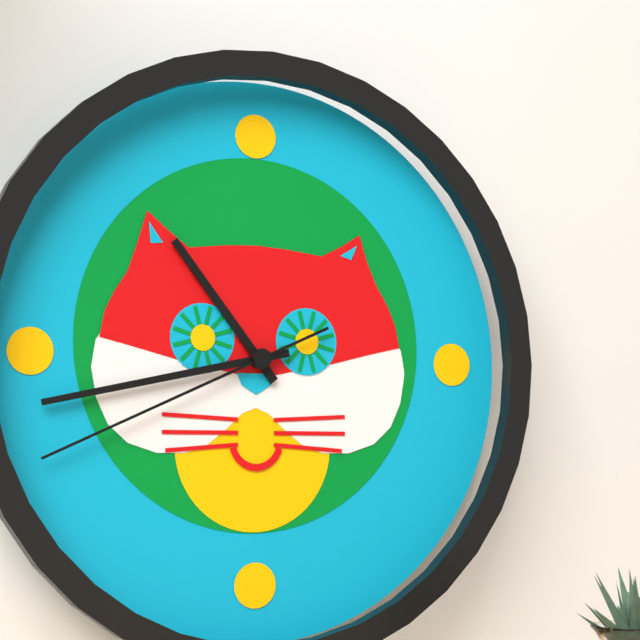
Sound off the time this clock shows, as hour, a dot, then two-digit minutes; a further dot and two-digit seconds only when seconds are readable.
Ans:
10.43.41
